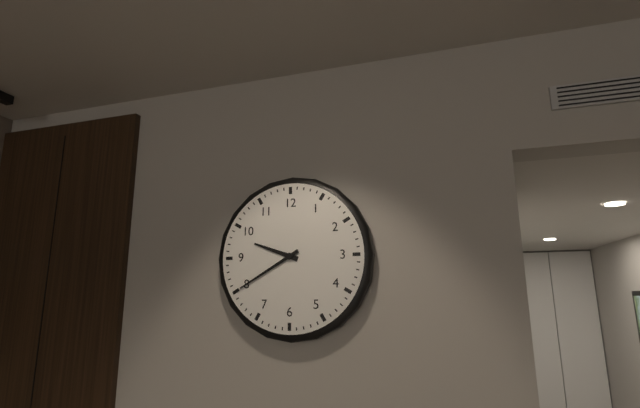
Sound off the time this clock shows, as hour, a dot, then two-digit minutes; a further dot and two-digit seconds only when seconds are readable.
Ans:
9.40
